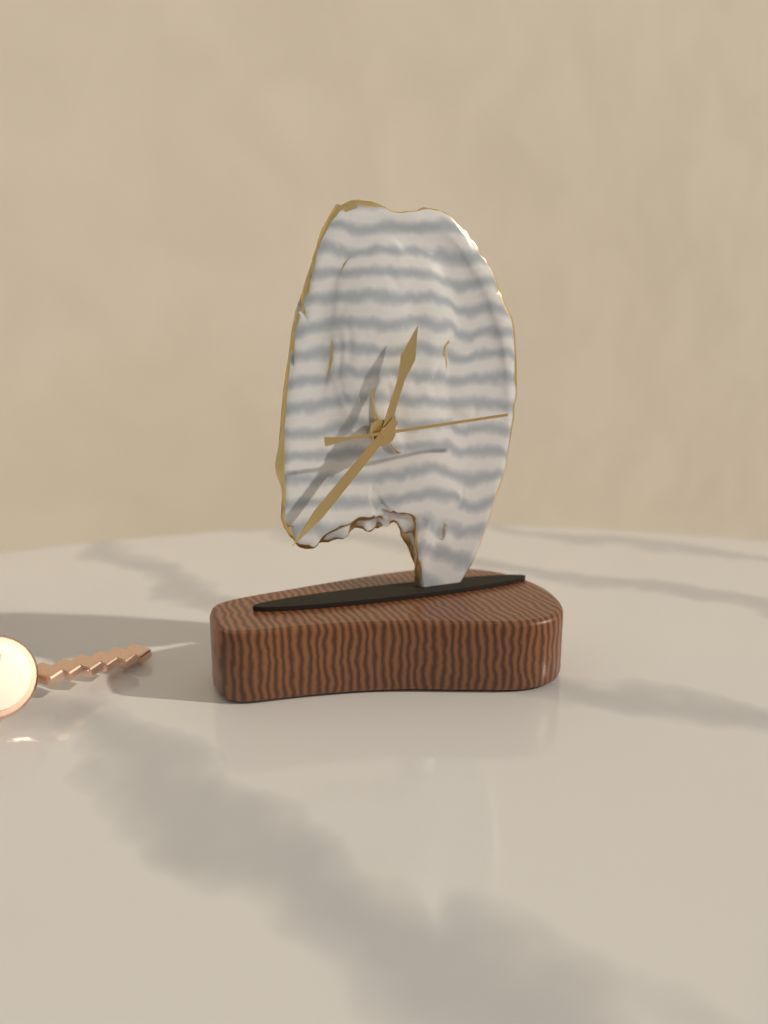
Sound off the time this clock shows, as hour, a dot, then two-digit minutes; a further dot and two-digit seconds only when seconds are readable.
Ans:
12.37.14
